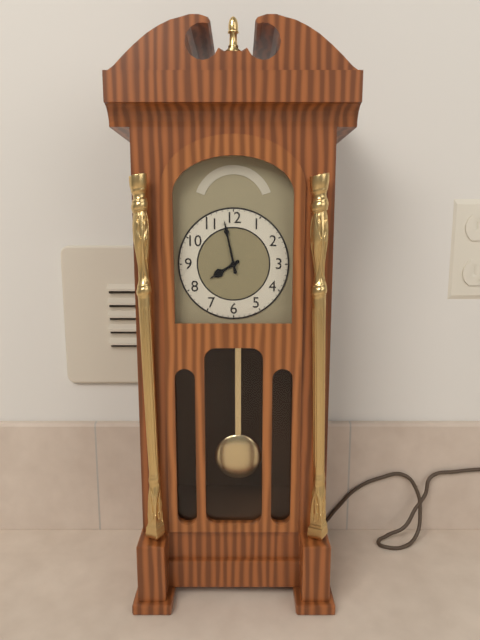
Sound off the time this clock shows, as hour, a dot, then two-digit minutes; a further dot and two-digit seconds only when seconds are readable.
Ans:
7.58
